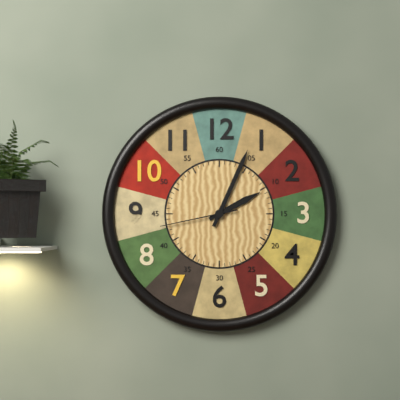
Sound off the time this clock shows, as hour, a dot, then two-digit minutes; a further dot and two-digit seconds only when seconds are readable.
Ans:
2.04.43
